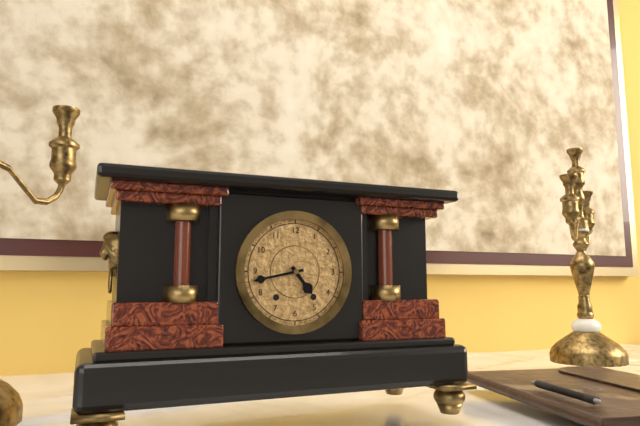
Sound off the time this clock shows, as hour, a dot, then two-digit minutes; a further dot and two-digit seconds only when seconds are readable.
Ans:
4.43
